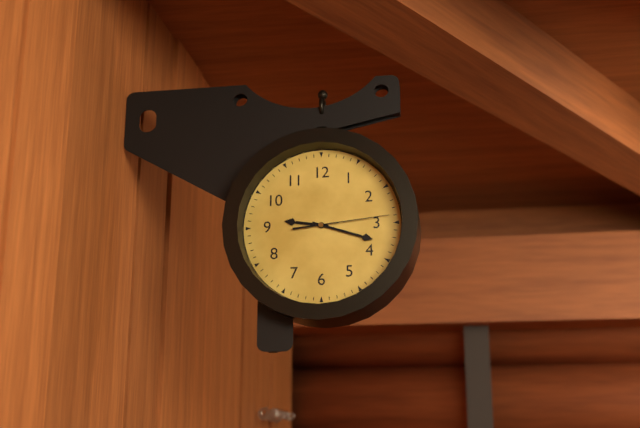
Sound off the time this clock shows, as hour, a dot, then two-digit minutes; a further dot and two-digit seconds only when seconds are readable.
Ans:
9.18.14
